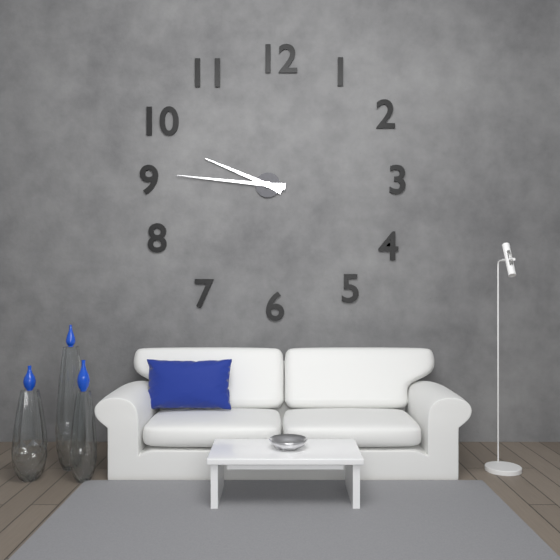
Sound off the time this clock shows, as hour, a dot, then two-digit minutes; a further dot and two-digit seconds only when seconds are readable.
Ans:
9.46
